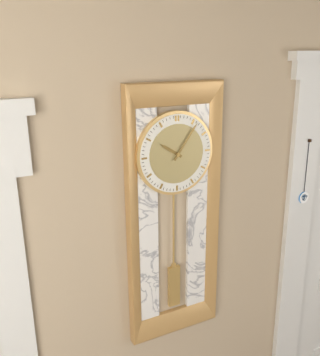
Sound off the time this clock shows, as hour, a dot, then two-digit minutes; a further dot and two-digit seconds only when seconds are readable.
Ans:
10.06
